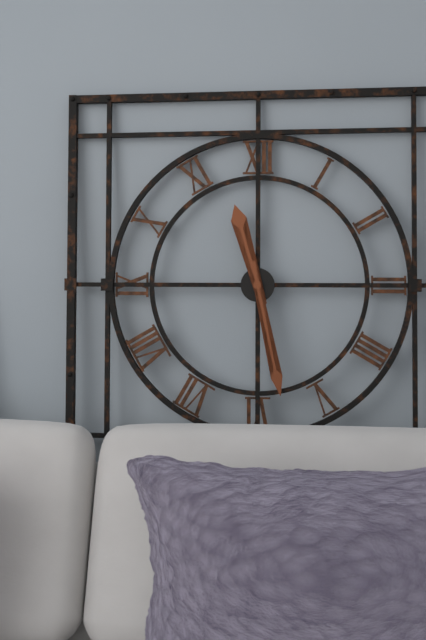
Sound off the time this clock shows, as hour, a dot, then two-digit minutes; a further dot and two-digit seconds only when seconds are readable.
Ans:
11.28
